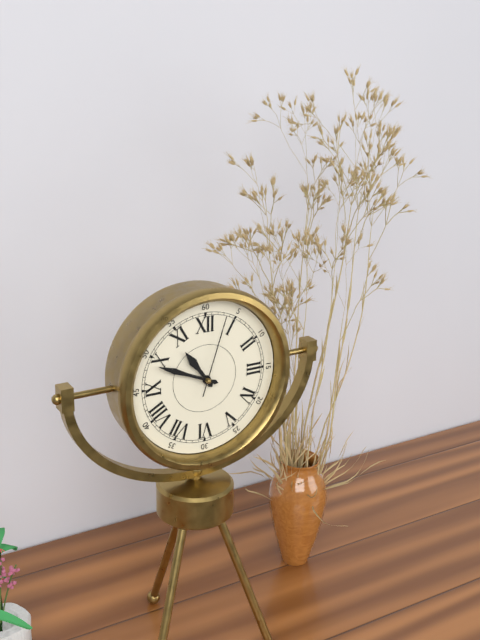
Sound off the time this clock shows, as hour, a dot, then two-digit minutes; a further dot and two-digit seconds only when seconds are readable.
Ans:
10.49.03
